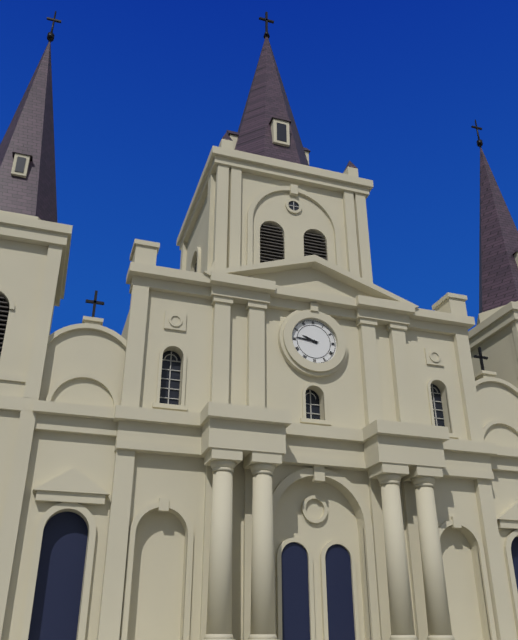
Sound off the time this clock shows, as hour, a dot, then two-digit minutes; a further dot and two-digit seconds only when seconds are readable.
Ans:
9.46
